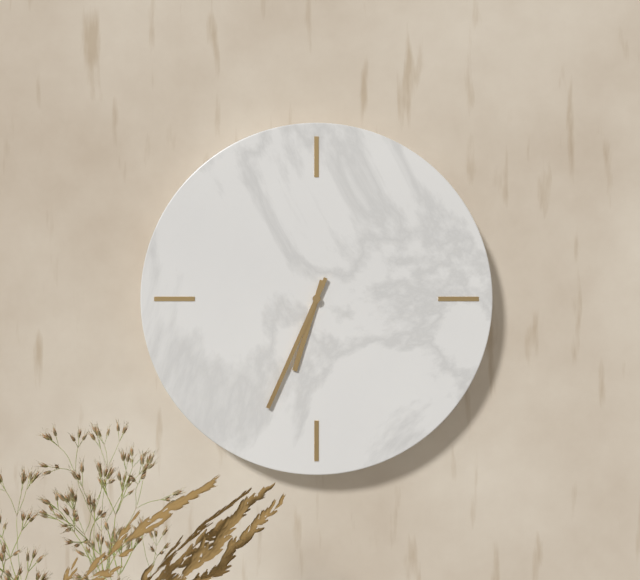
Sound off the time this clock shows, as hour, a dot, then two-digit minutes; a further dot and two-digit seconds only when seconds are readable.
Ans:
6.34
